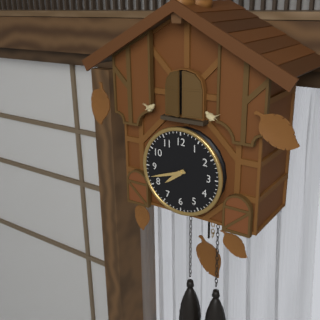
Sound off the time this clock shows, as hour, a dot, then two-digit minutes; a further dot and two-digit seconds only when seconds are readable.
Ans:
7.42
